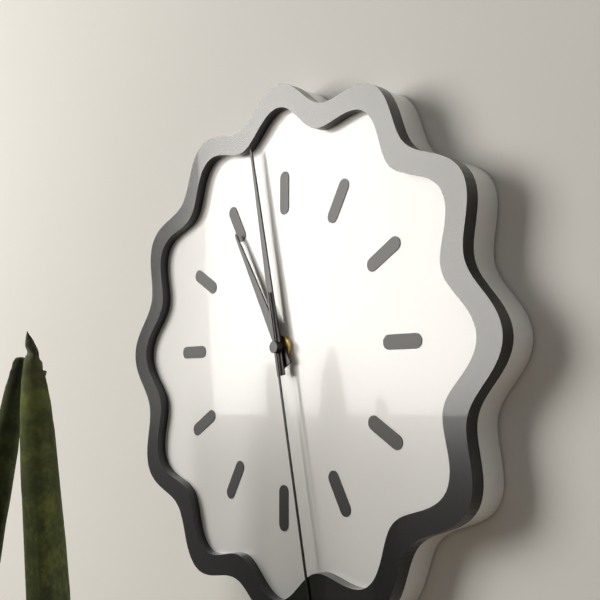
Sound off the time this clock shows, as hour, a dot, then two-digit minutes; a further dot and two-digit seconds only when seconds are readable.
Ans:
10.58
